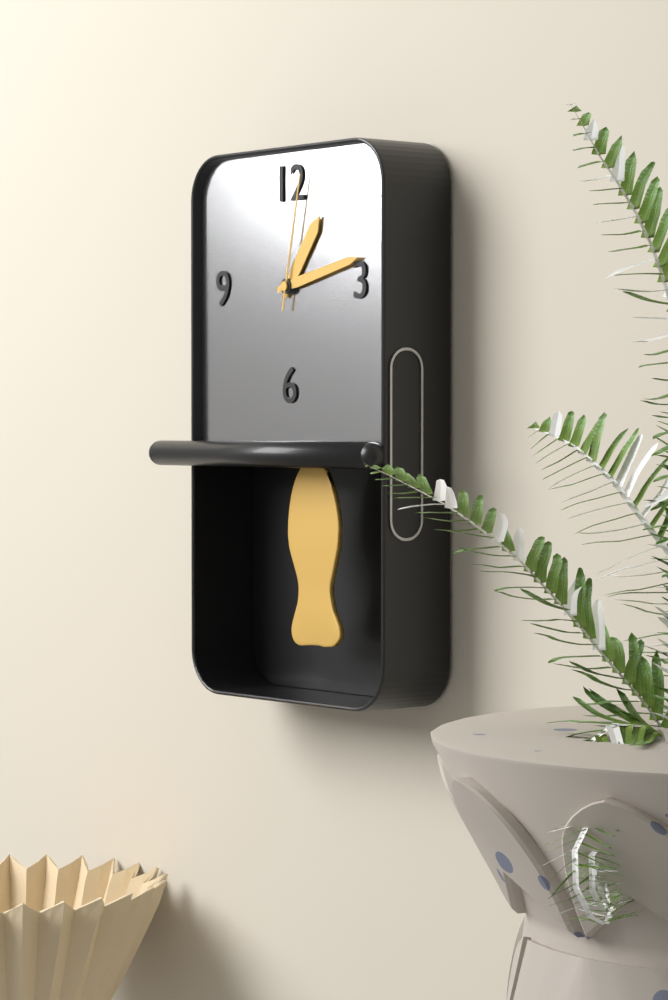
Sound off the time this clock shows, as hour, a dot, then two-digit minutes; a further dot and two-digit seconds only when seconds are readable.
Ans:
1.13.02
